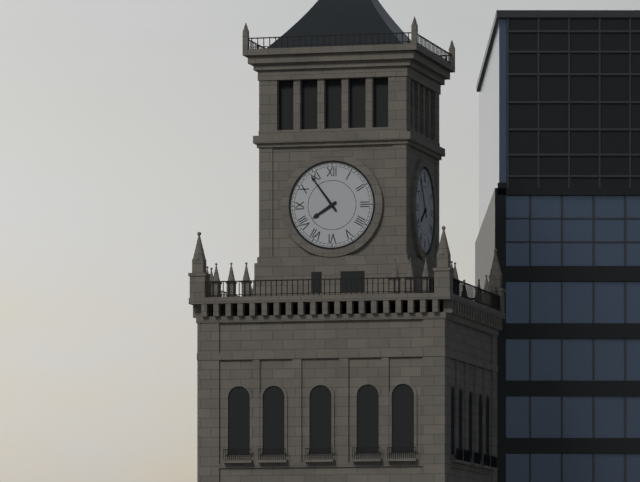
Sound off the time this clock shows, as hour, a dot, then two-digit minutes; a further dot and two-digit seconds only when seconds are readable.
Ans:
7.54
